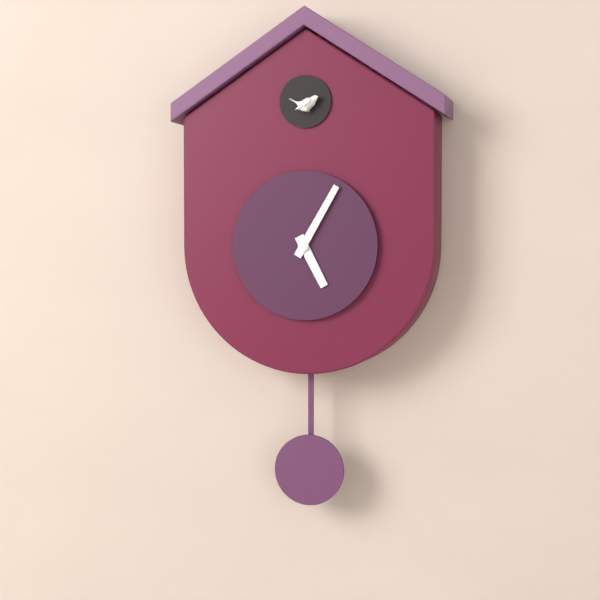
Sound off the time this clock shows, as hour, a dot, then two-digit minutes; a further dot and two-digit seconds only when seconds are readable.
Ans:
5.05
